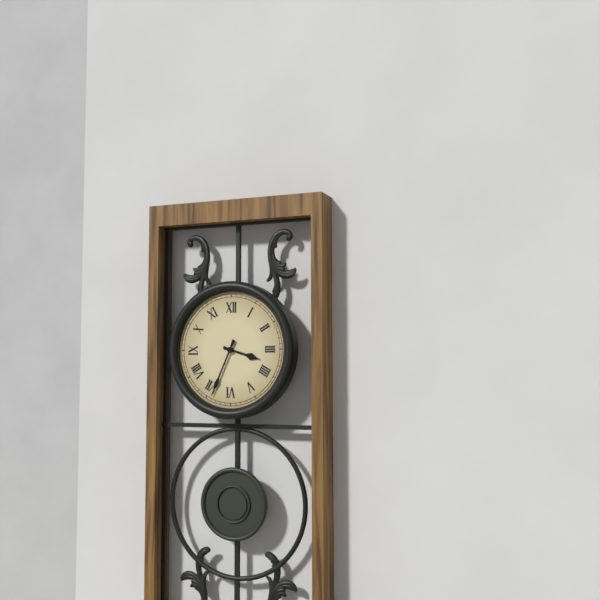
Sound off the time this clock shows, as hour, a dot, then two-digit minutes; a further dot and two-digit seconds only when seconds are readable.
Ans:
3.34
